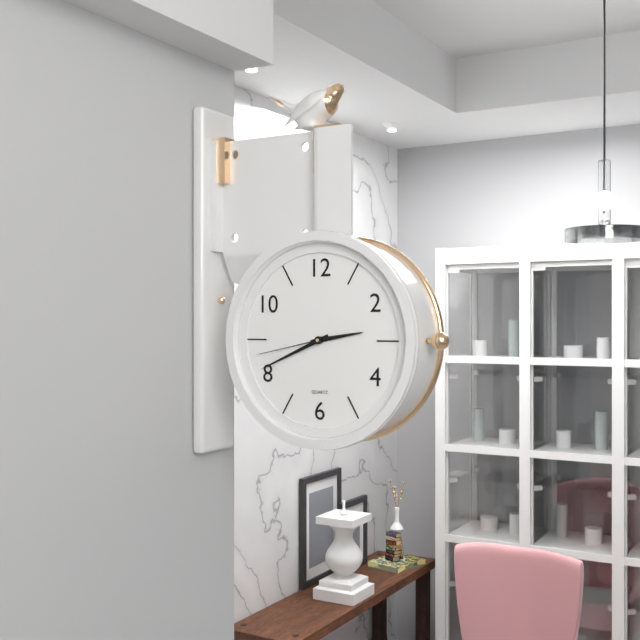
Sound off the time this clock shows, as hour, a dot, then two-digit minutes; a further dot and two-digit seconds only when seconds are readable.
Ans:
2.41.43
